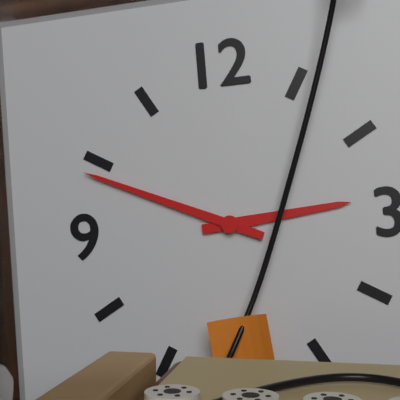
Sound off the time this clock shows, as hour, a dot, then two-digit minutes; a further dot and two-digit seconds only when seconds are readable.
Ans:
2.49
